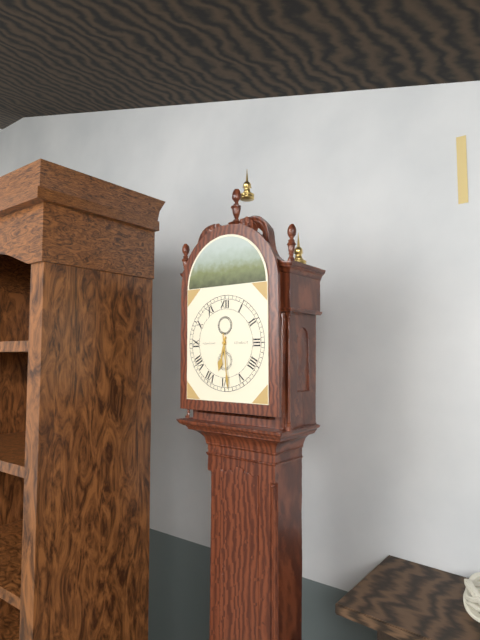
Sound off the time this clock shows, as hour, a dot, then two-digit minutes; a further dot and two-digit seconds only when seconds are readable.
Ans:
6.29
